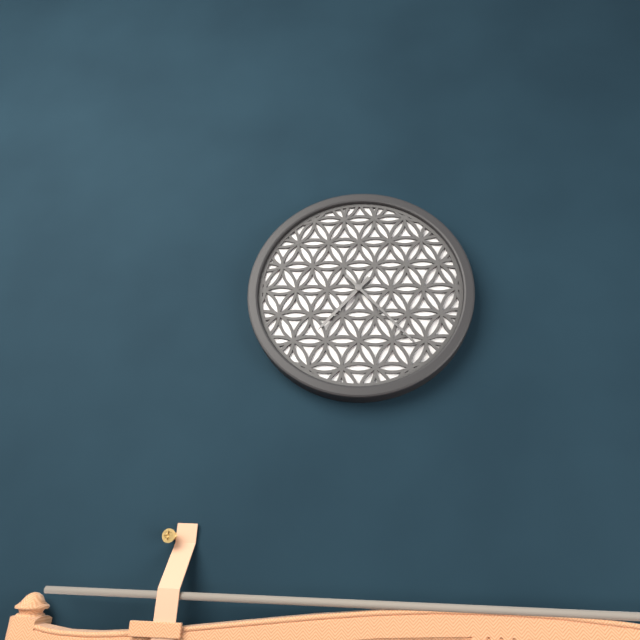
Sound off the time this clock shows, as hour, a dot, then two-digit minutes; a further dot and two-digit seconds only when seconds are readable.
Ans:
7.23
